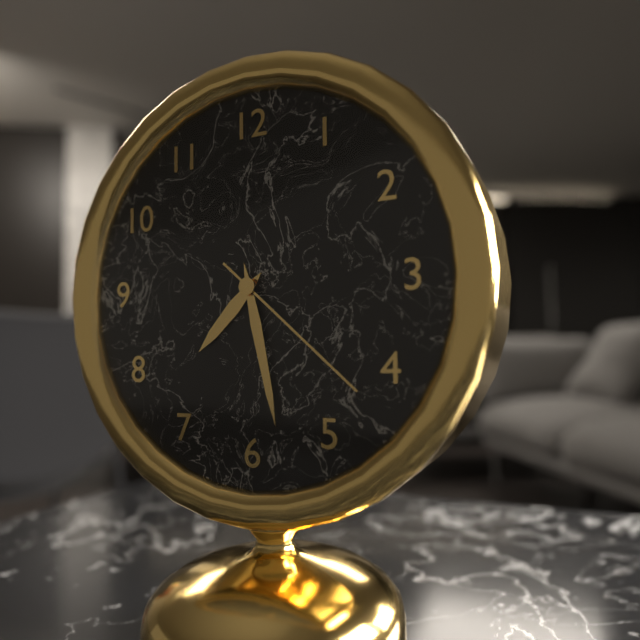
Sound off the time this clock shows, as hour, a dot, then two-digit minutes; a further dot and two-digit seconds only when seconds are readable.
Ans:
7.28.22
